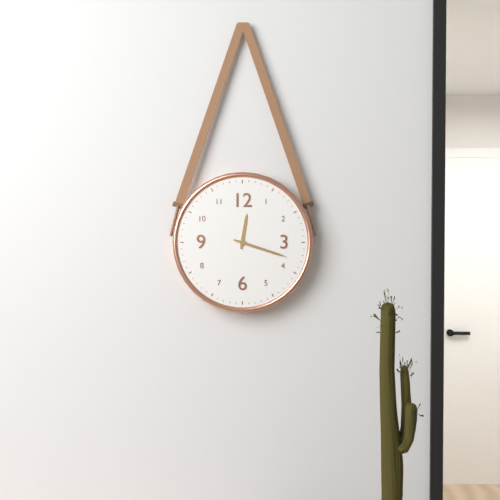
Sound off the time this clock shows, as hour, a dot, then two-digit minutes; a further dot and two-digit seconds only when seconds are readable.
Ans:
12.18
